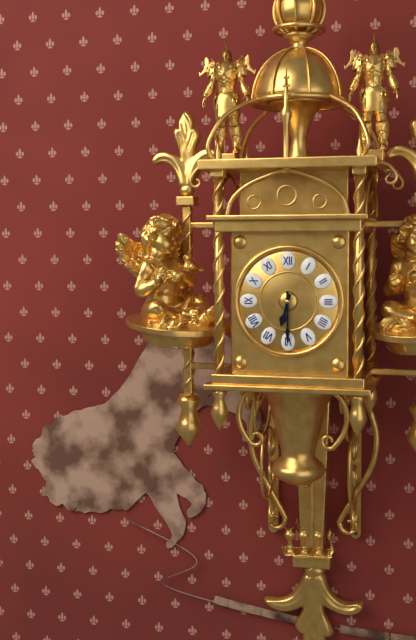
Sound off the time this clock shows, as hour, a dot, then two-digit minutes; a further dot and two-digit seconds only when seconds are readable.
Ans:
6.30
